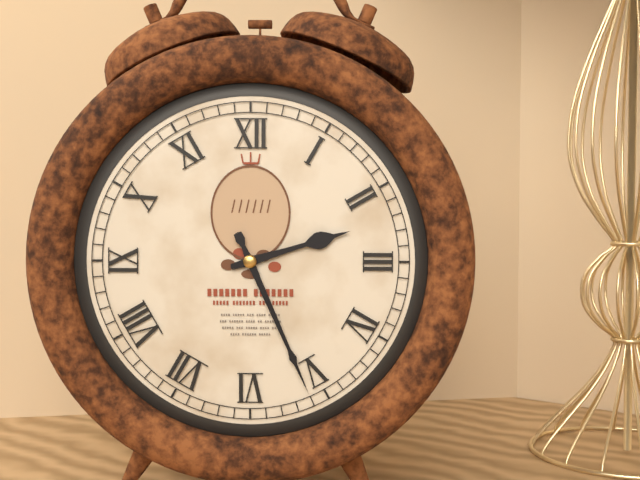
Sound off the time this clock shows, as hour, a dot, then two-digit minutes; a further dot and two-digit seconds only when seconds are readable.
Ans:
2.26
